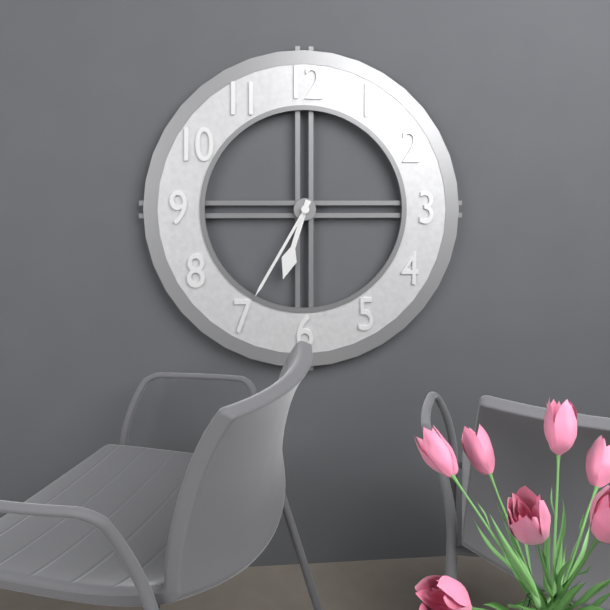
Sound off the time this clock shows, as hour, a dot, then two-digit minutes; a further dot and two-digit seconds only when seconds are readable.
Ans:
6.35
